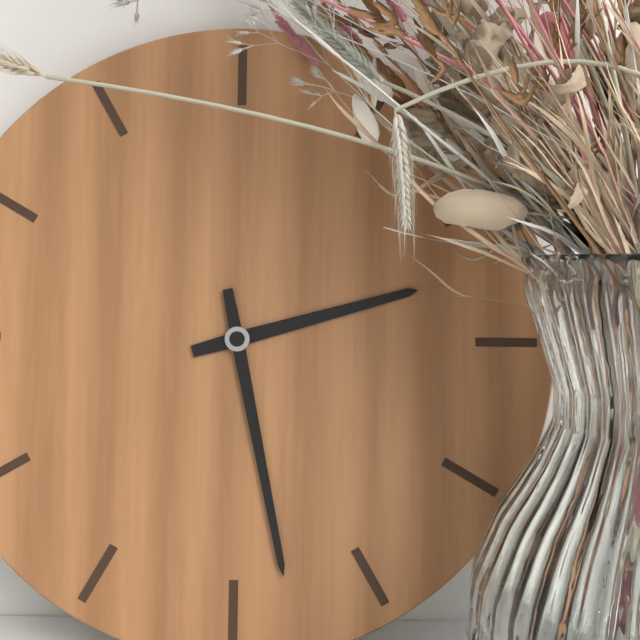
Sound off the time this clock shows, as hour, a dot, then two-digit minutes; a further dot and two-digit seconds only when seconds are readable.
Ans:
2.28
